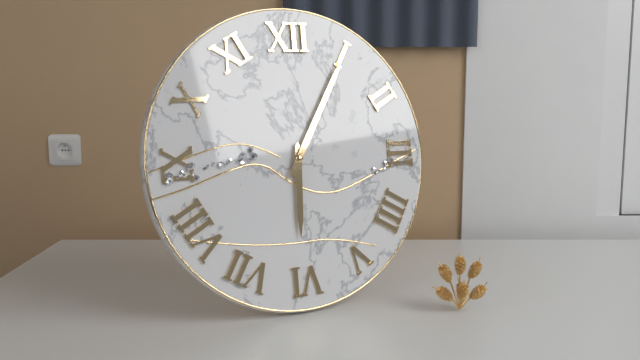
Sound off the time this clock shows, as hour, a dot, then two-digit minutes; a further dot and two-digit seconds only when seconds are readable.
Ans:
6.05
